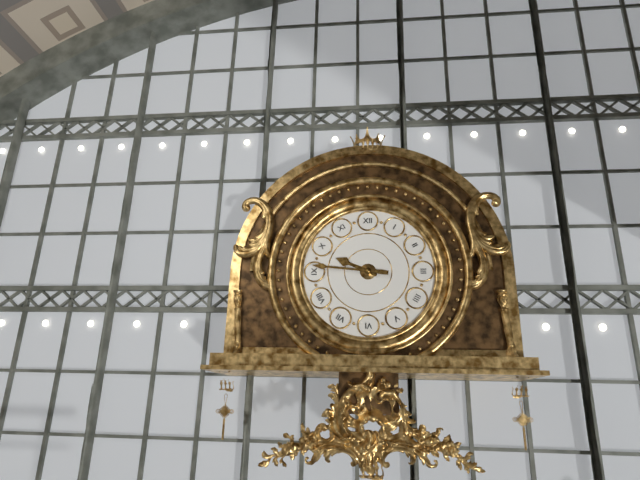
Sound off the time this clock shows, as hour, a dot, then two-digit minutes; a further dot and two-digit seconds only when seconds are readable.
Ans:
9.46
